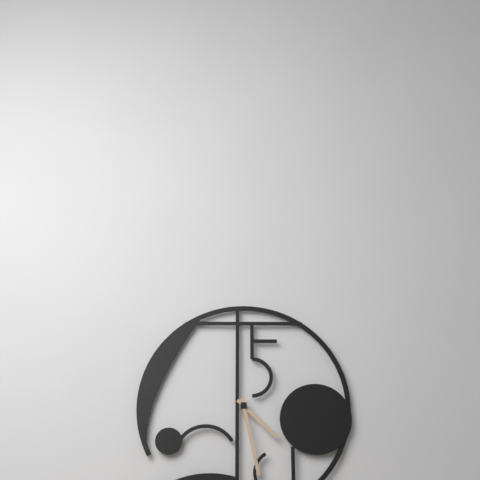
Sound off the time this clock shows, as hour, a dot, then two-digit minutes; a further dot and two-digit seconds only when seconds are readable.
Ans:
4.28
